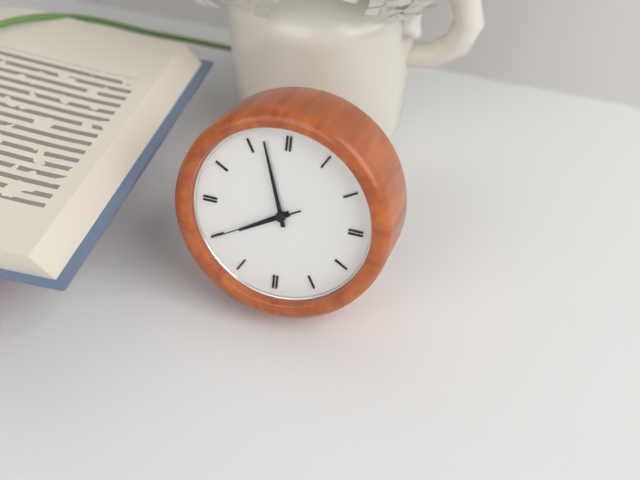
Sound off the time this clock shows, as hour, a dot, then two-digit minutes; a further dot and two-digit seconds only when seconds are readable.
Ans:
7.57.40
